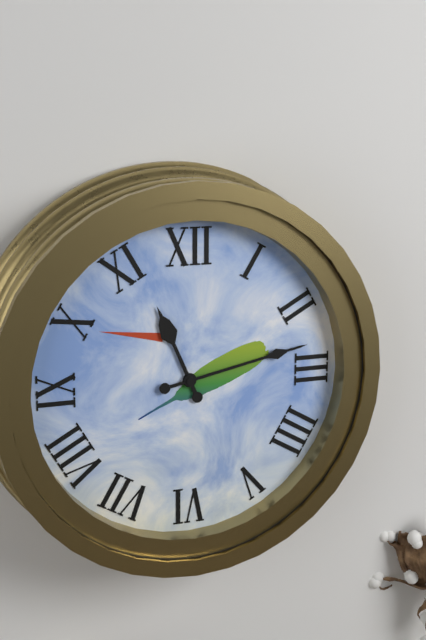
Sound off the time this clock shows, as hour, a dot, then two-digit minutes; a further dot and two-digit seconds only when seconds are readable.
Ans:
11.13
